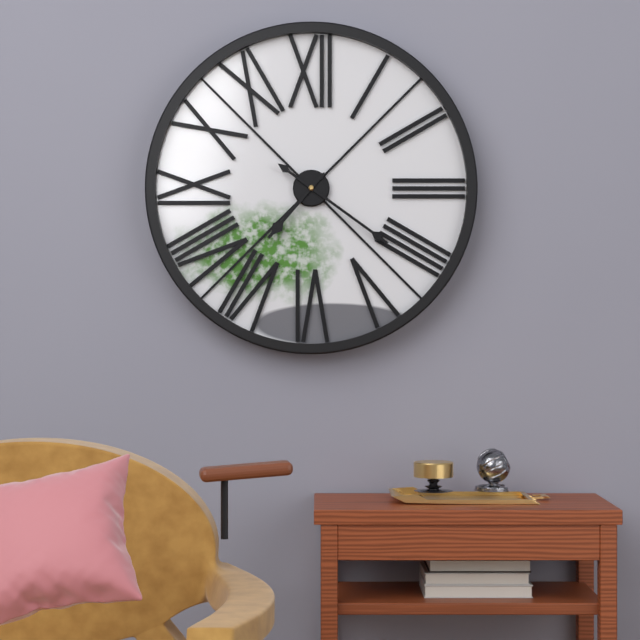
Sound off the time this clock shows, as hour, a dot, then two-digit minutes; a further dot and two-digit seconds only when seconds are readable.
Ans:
7.21
